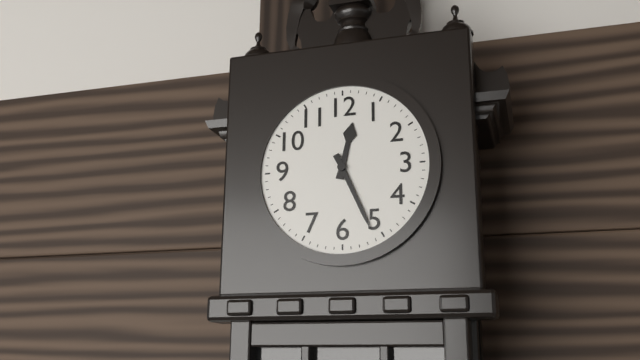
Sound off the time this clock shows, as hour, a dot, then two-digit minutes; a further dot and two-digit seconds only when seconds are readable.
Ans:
12.26
